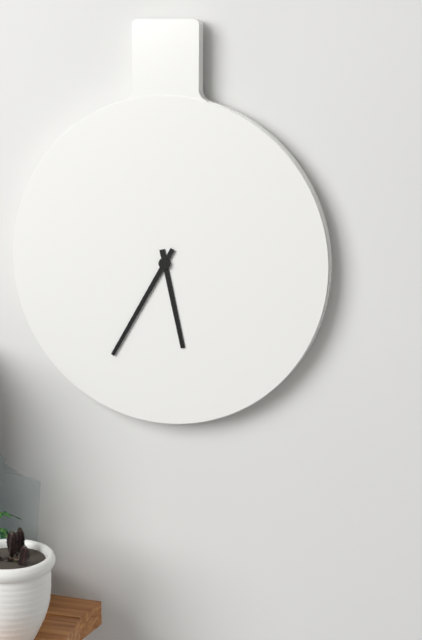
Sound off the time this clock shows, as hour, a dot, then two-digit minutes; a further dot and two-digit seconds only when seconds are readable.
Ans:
5.35
